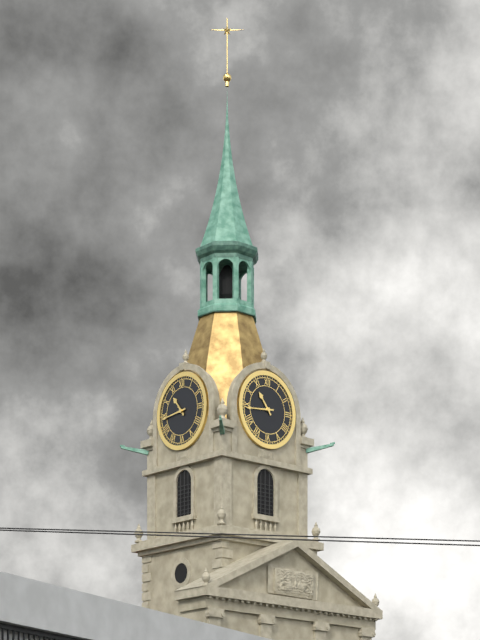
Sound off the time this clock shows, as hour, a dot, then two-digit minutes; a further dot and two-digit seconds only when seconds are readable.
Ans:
10.44
